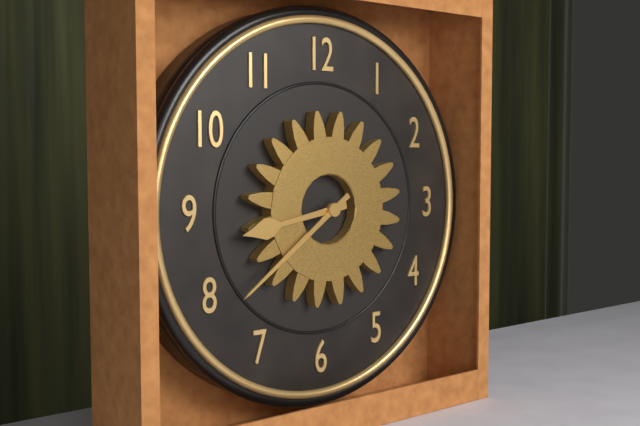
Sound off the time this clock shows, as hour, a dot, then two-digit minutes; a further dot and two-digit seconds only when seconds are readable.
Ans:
8.39
